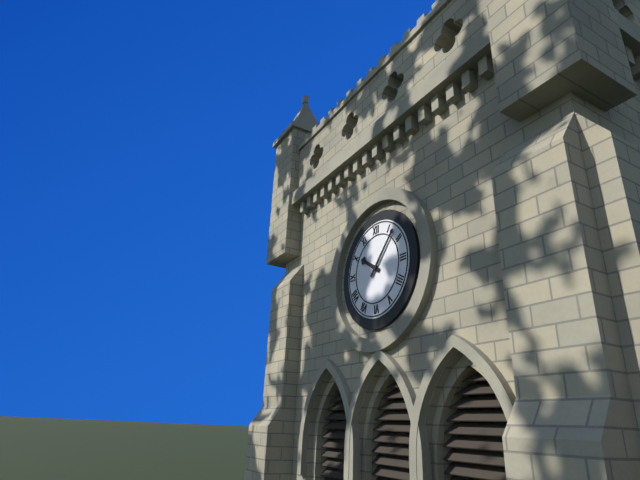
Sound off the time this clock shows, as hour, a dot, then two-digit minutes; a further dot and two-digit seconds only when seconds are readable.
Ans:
10.07
